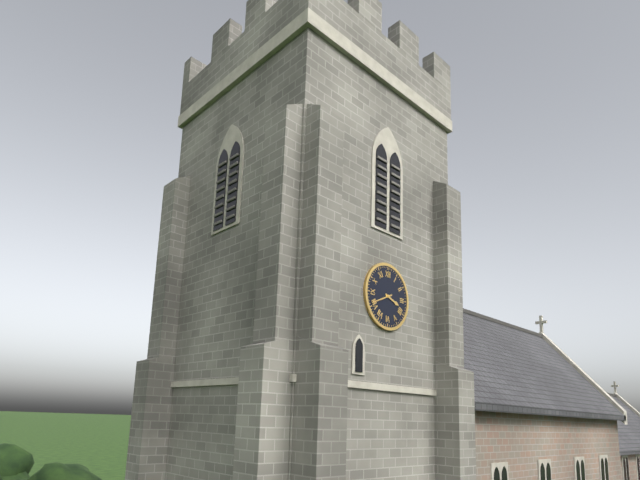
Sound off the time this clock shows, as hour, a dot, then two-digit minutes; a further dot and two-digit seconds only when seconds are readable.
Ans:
3.41
